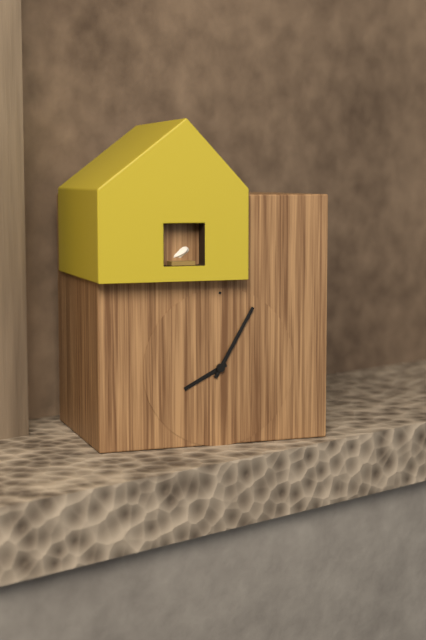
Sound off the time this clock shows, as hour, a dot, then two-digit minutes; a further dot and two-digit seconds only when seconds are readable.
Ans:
8.05
